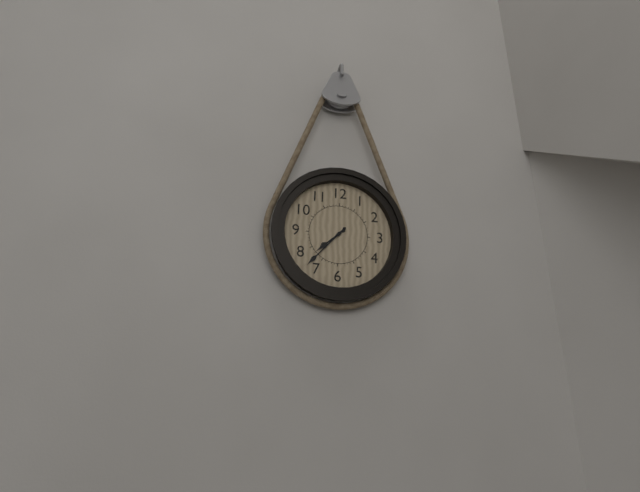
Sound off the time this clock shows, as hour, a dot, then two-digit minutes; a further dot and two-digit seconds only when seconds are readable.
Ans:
7.37
